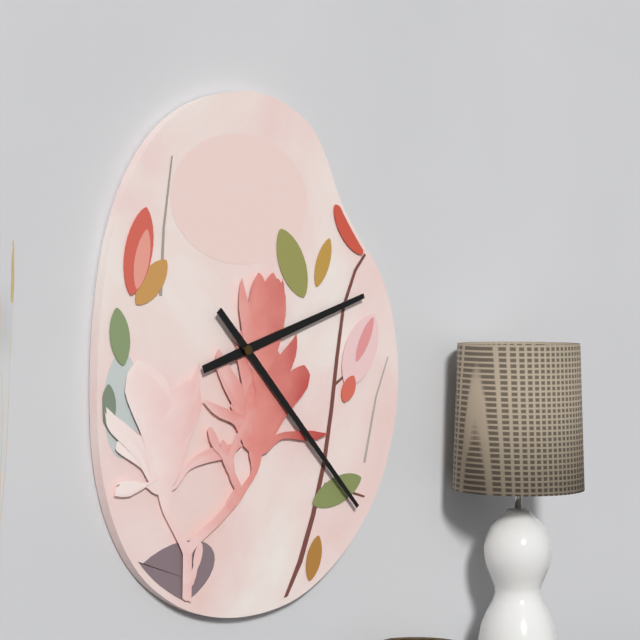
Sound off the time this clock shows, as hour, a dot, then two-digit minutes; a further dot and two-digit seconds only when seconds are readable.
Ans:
2.23
